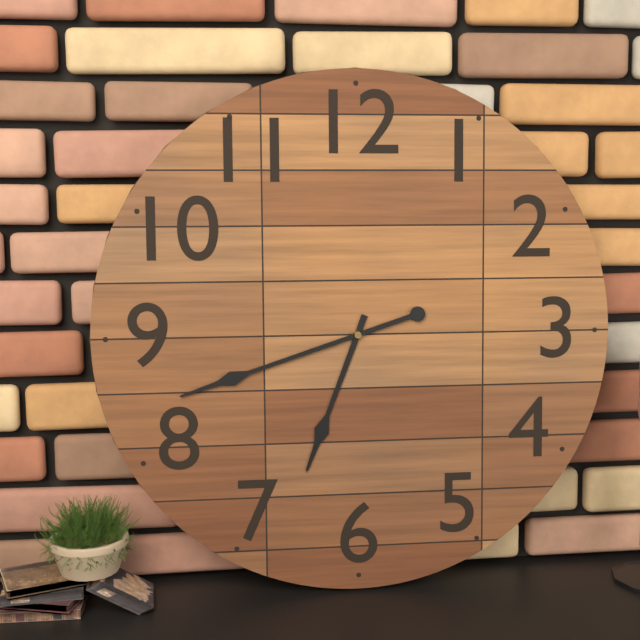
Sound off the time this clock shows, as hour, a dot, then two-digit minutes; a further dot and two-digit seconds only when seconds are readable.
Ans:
6.42
